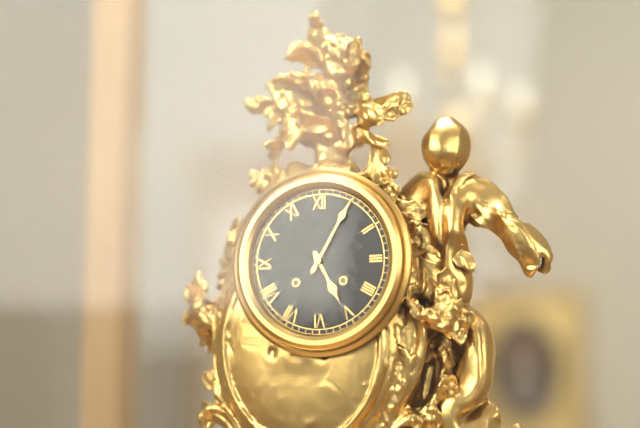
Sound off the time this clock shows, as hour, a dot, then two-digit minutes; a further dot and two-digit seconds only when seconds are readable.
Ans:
5.05
